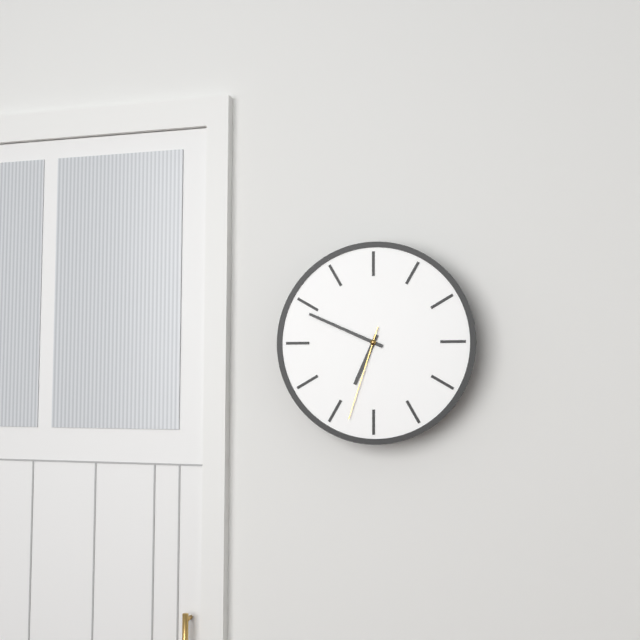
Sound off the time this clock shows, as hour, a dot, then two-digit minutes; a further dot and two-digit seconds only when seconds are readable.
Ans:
6.49.33
